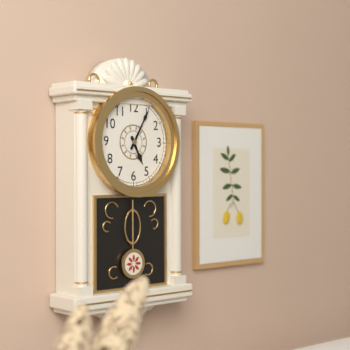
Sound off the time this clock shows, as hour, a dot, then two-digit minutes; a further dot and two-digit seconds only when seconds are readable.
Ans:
5.05
